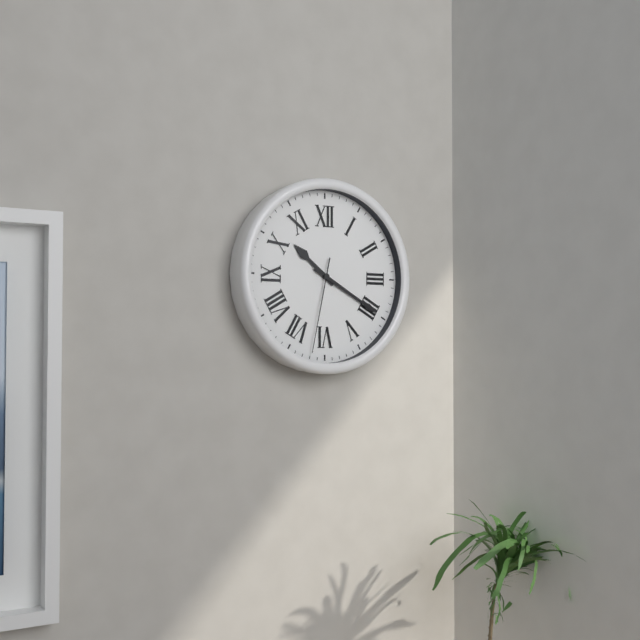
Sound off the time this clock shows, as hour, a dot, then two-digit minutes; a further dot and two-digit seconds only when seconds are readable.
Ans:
10.20.32
